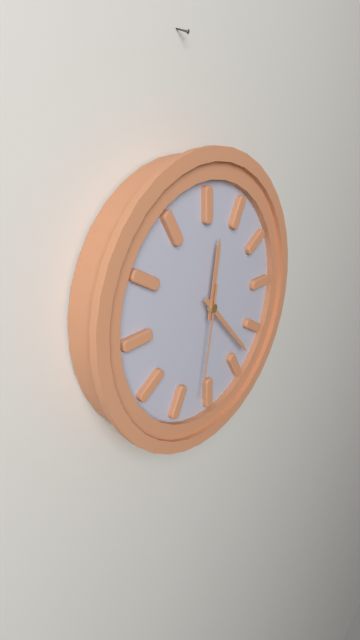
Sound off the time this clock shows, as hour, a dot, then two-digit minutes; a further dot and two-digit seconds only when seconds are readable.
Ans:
12.23.32
